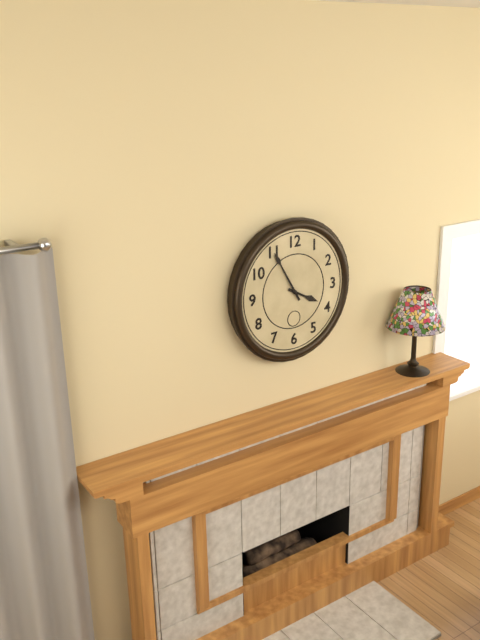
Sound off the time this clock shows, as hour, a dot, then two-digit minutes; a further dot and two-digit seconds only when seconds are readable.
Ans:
3.55
